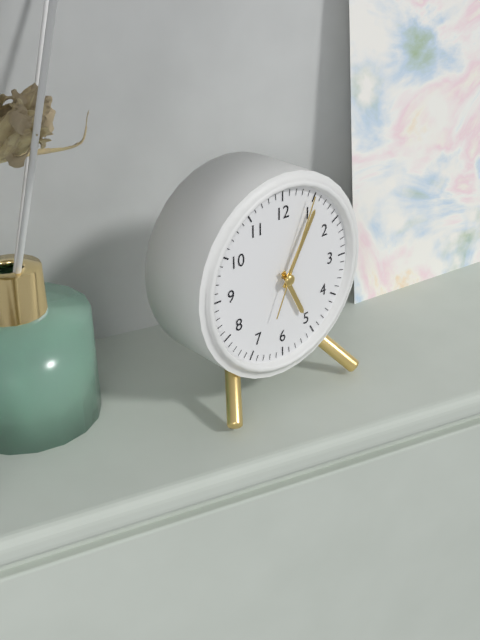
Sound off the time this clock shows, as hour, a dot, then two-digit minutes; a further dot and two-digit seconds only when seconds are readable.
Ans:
5.05.04
